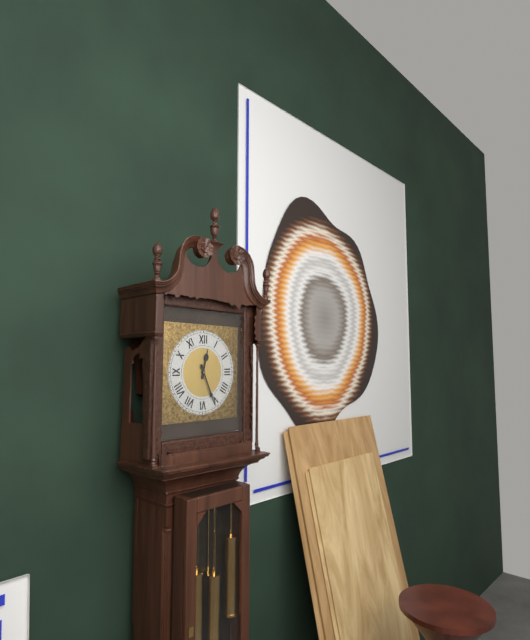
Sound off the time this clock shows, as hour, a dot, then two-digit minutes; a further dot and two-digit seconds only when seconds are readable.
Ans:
12.26
